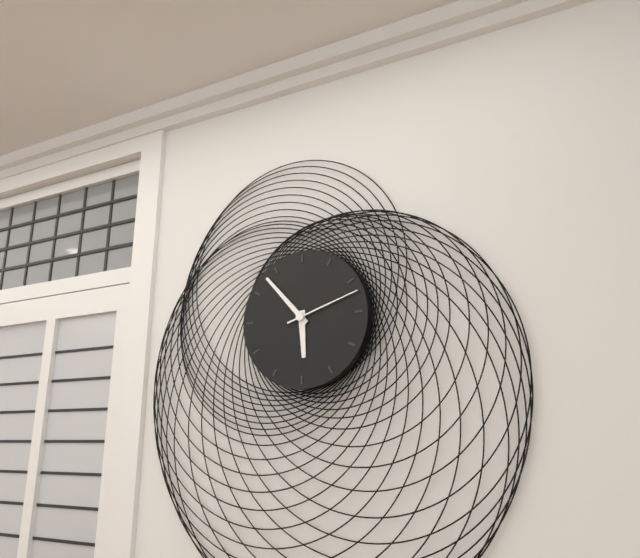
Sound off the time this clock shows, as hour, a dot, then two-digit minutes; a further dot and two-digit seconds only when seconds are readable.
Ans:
5.53.12
